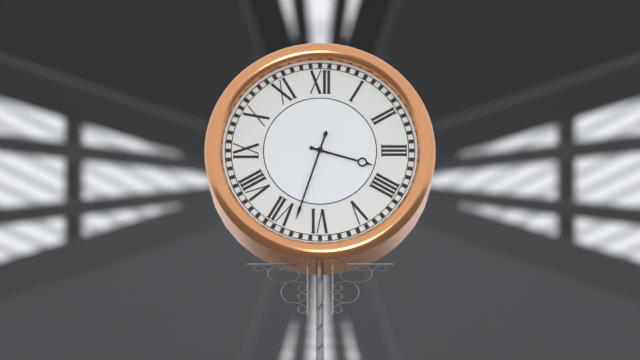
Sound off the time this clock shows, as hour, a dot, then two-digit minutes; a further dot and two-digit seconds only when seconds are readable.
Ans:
3.33
